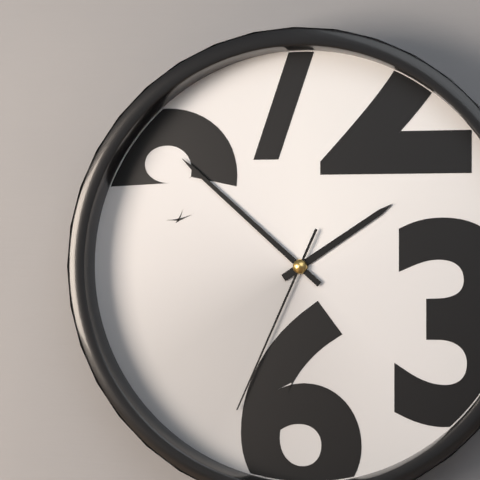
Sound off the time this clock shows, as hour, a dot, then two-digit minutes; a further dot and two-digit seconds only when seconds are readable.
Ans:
1.52.34
